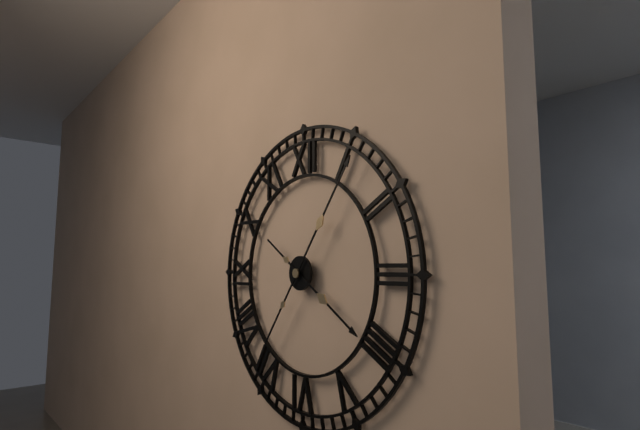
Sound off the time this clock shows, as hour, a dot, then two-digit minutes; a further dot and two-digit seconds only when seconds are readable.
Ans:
4.06
